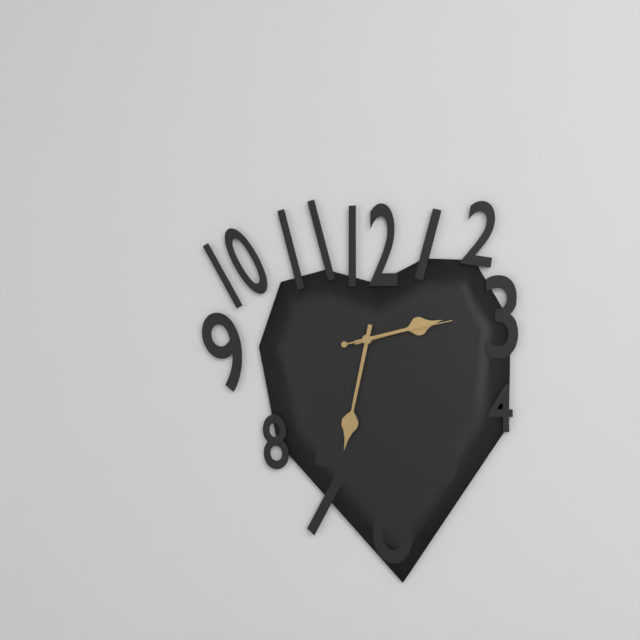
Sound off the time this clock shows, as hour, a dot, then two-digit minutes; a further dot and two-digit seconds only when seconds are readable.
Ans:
2.32.13
